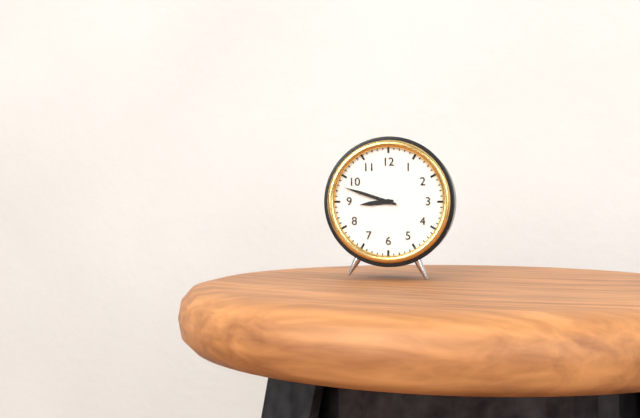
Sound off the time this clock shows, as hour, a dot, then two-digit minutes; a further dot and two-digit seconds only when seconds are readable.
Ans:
8.48
